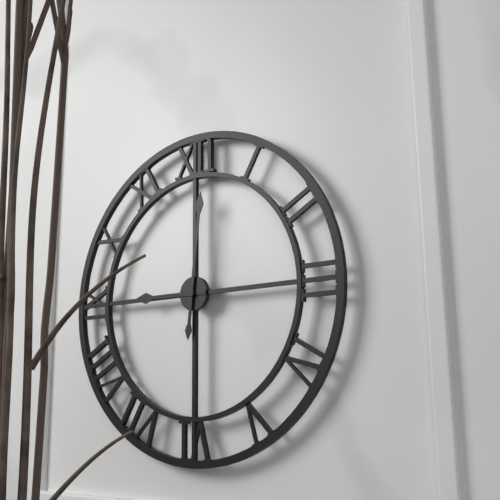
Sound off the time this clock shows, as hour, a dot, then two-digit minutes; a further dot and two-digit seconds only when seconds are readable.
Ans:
9.01
